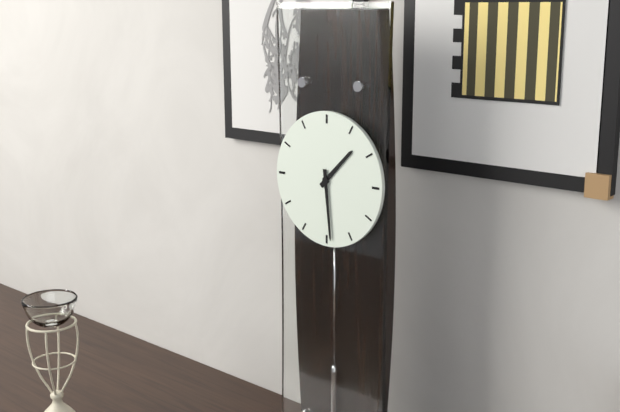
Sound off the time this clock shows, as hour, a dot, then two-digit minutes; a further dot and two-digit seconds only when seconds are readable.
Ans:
1.29
